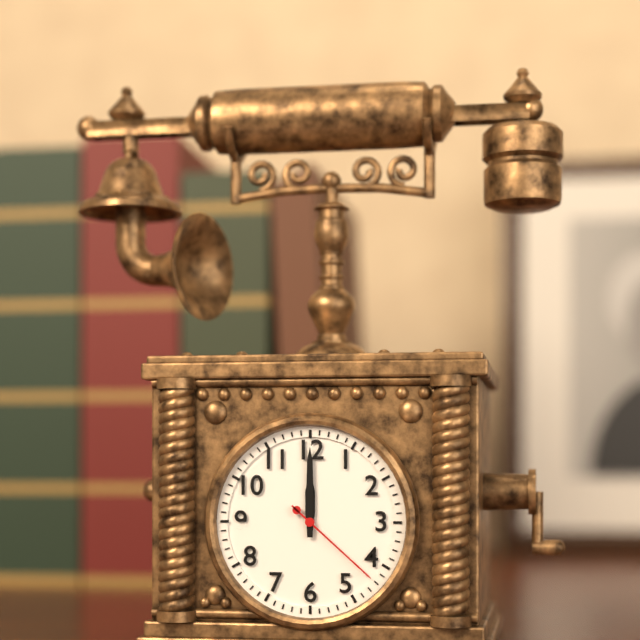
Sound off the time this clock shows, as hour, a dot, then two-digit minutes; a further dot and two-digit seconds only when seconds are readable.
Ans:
12.00.22
